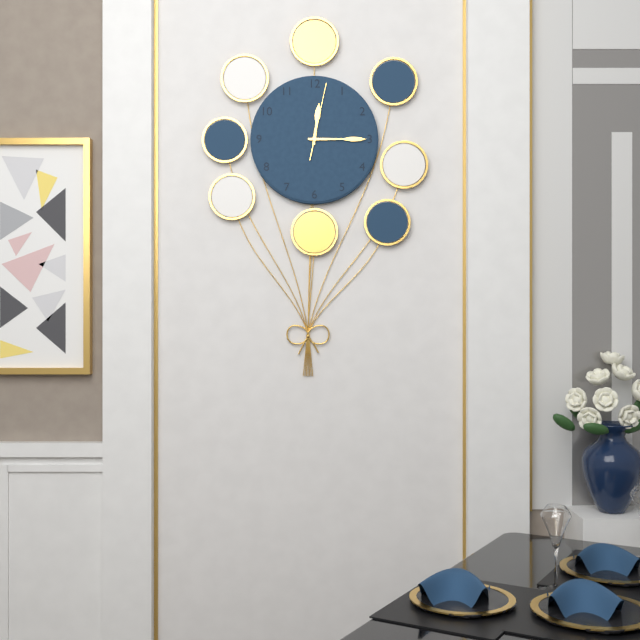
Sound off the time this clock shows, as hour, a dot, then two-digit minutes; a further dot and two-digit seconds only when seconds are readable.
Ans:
12.15.02
